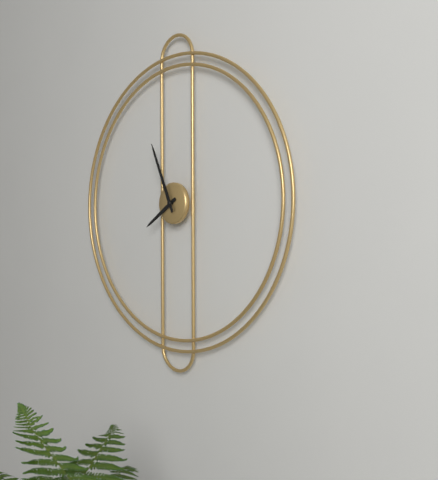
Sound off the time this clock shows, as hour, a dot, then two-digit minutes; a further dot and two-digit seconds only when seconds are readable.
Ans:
7.56
